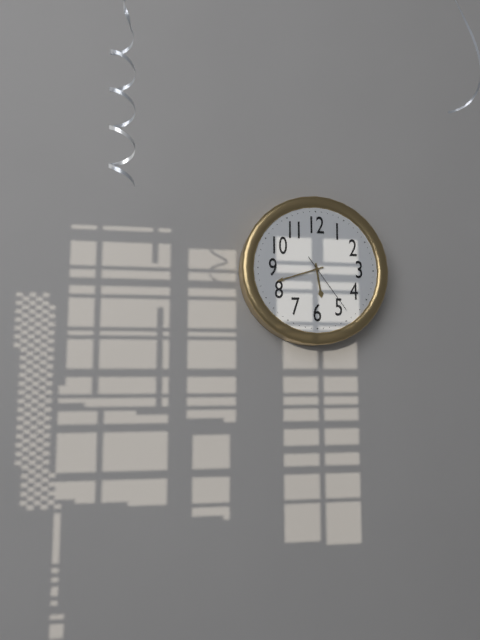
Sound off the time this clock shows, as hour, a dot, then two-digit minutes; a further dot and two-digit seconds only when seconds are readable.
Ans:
5.42.24
